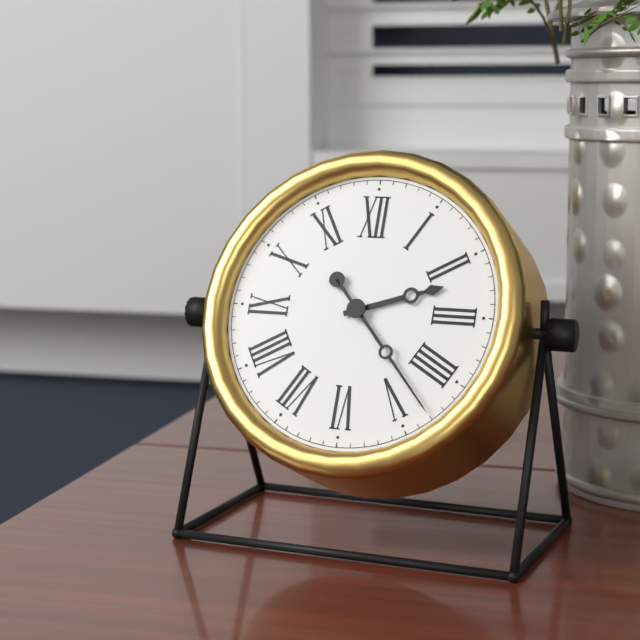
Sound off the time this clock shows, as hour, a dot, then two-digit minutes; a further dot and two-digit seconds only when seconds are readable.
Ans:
2.23
